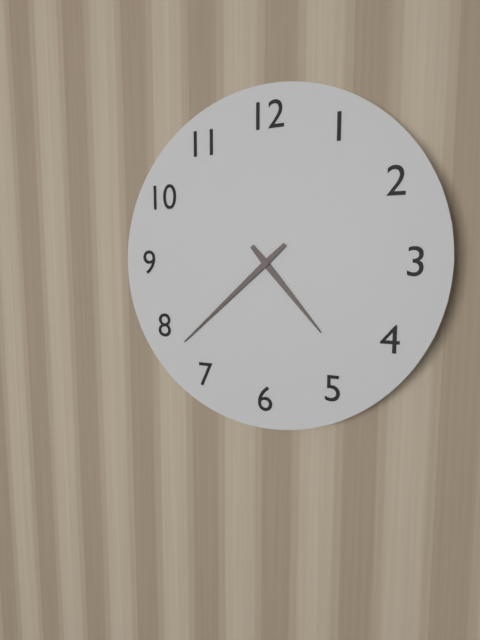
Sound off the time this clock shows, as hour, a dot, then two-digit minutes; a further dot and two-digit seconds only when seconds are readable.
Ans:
4.38
